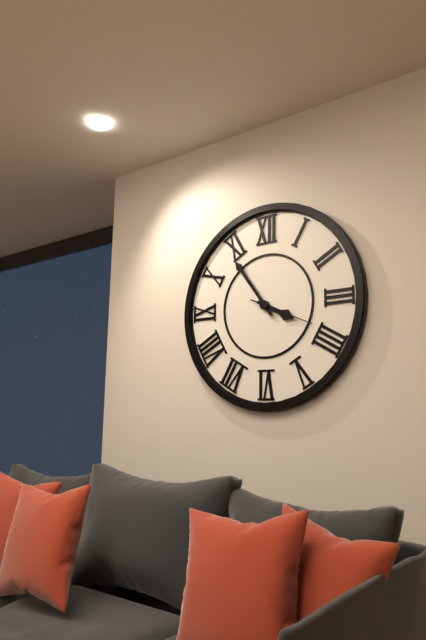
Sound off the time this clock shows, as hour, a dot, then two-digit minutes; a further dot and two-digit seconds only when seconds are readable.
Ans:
3.54.19
